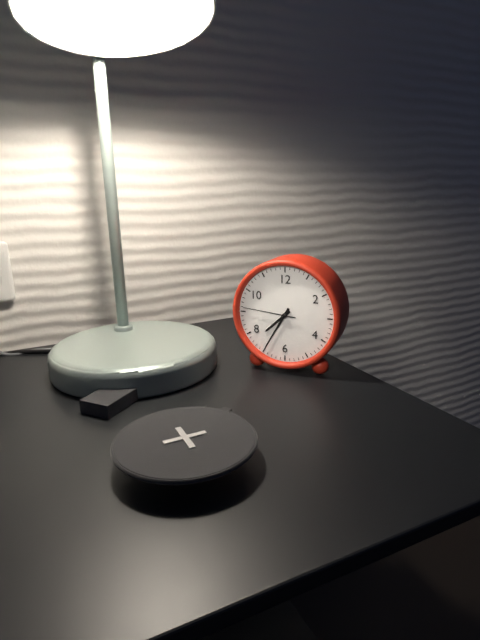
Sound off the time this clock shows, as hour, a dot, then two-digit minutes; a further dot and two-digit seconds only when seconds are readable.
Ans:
7.35.46
